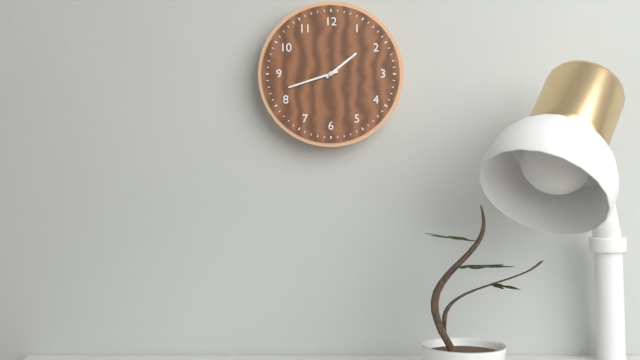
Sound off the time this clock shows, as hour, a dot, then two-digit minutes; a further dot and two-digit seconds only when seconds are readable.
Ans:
1.42
